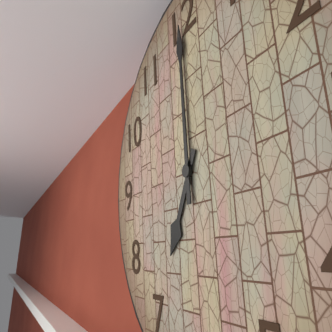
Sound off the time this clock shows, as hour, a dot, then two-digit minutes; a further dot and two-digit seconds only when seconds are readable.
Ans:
7.00
